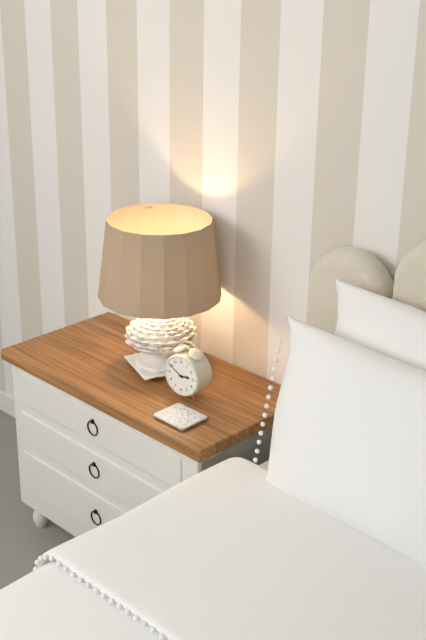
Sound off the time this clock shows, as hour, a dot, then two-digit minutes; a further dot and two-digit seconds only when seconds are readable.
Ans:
2.50
